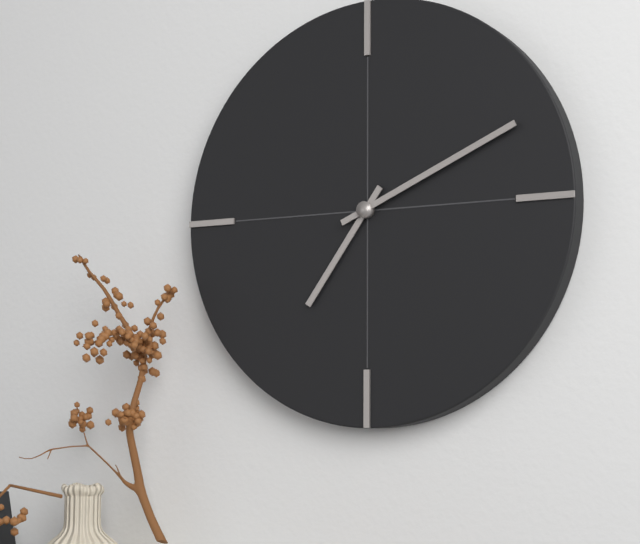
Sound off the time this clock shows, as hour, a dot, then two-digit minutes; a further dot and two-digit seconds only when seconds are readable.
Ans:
7.11
